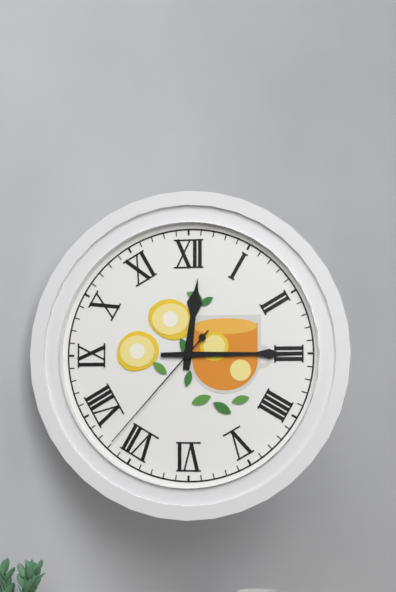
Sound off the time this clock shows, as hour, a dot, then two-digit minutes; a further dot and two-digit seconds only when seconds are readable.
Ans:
12.15.37
